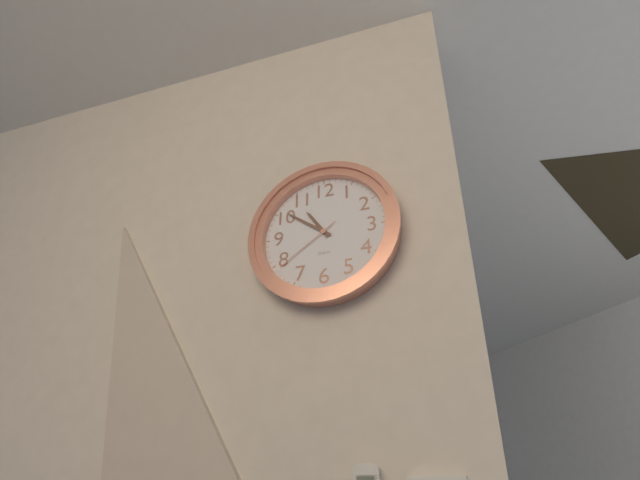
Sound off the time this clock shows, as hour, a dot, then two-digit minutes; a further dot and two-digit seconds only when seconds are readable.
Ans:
10.51.39
